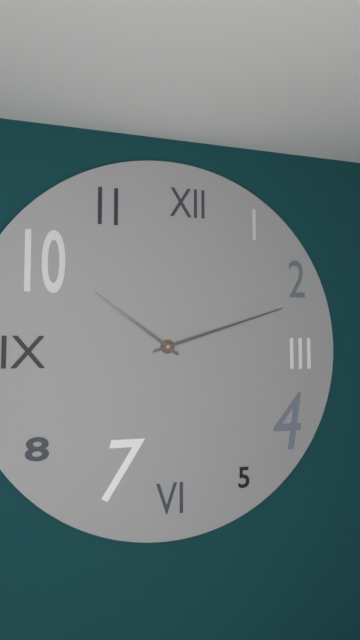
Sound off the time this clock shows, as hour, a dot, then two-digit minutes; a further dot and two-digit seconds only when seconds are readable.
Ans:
10.12
